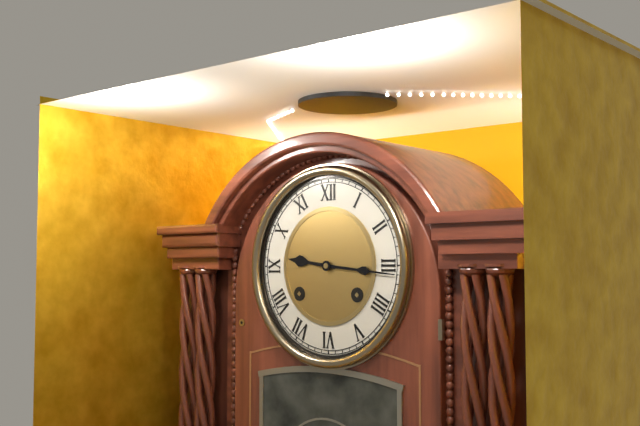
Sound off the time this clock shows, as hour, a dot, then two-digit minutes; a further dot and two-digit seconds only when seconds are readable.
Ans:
9.16
